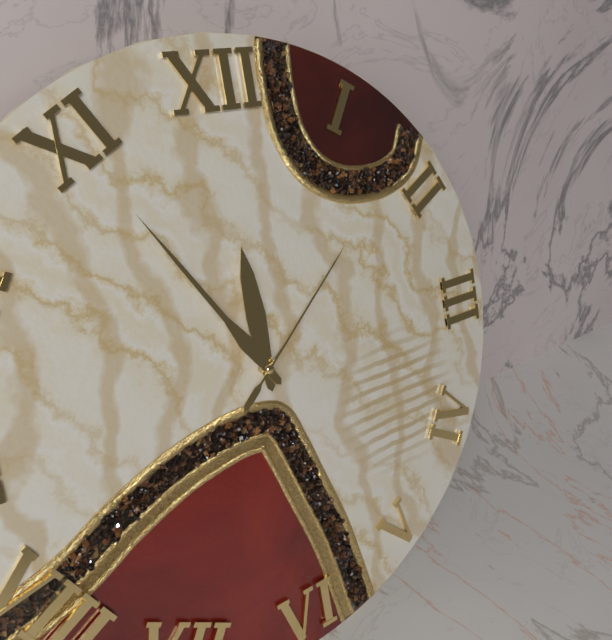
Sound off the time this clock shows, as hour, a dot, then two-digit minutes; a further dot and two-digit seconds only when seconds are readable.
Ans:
11.55.08
